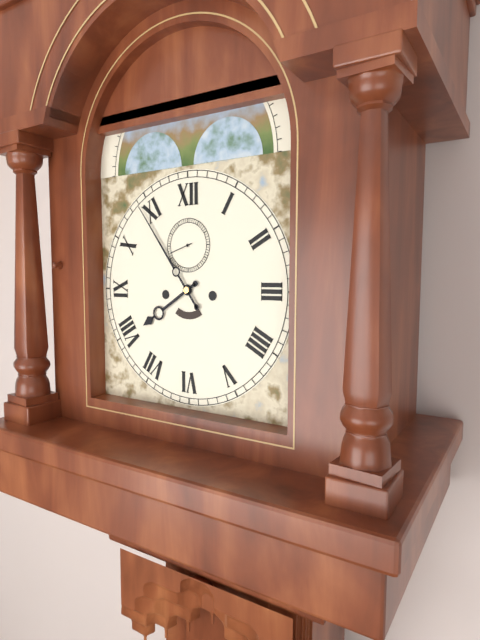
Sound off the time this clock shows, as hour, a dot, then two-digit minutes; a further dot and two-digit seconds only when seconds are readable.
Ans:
7.54
